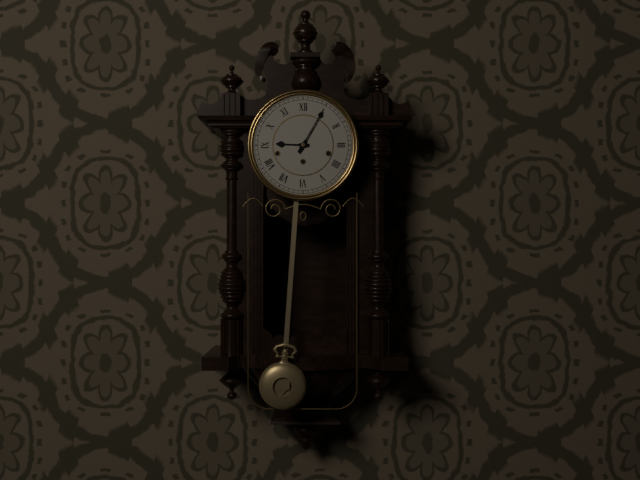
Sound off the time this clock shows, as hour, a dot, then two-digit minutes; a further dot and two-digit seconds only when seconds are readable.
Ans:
9.05
